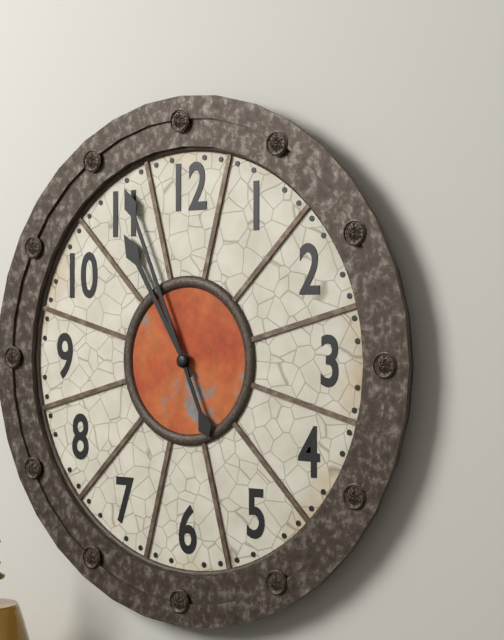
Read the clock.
10:56
